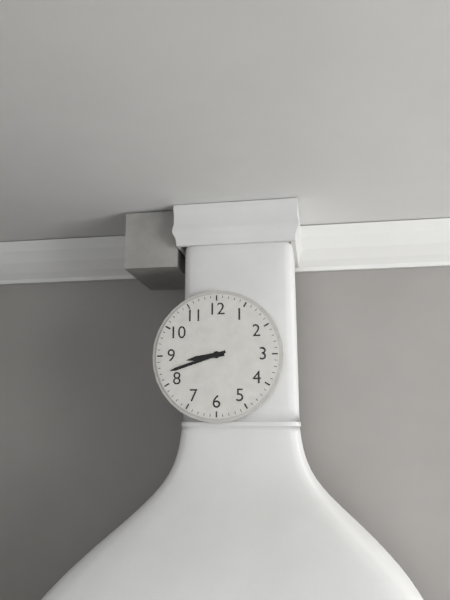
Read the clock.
8:42
